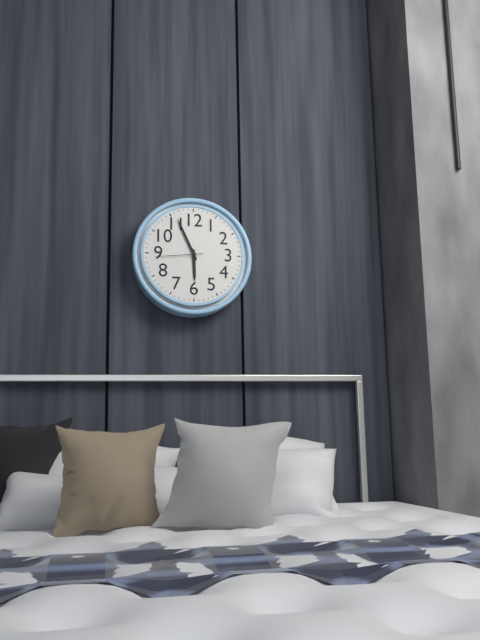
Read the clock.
5:56:44
